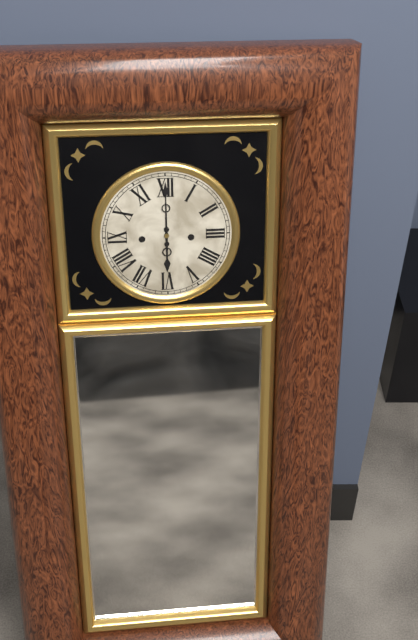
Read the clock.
6:00
